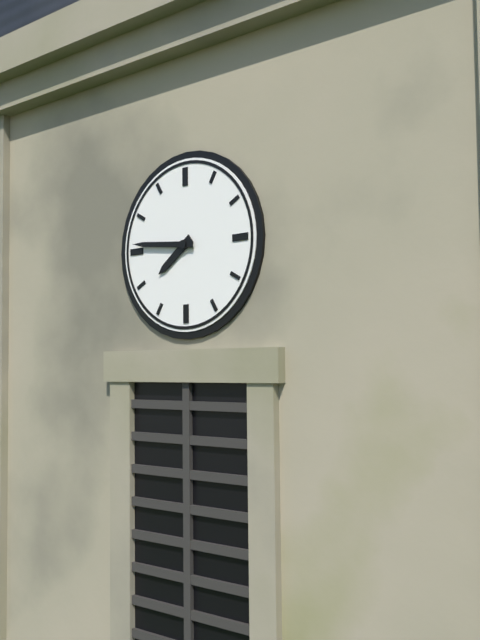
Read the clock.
7:46
